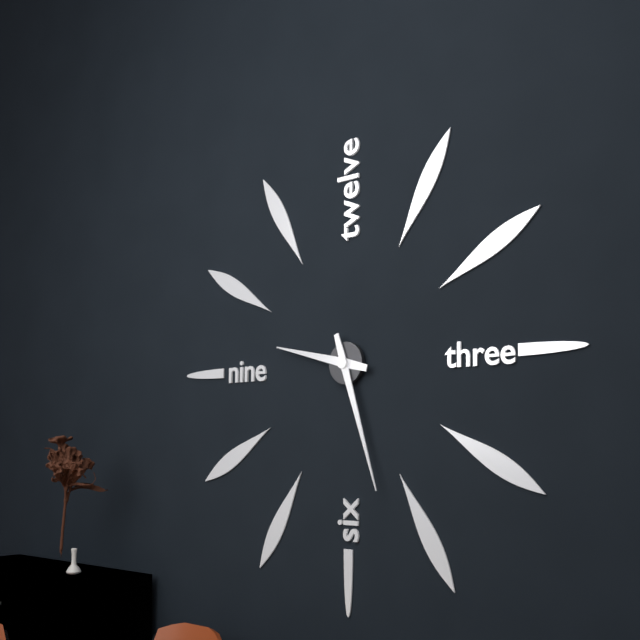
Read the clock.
9:27
